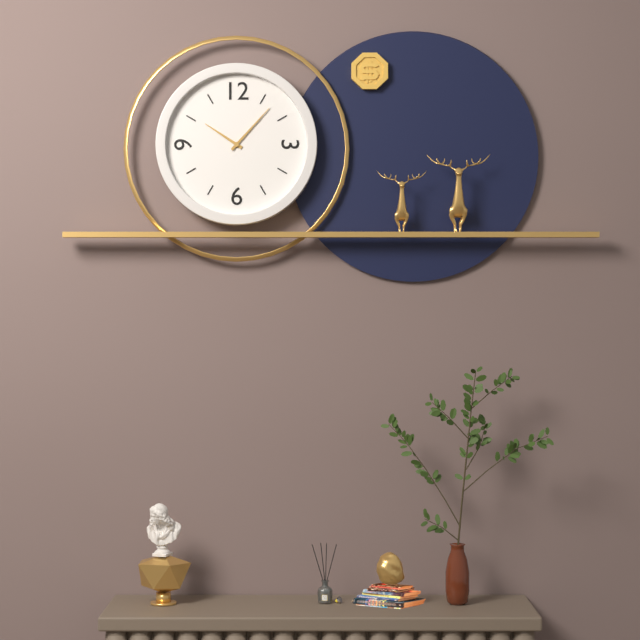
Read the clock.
10:07
